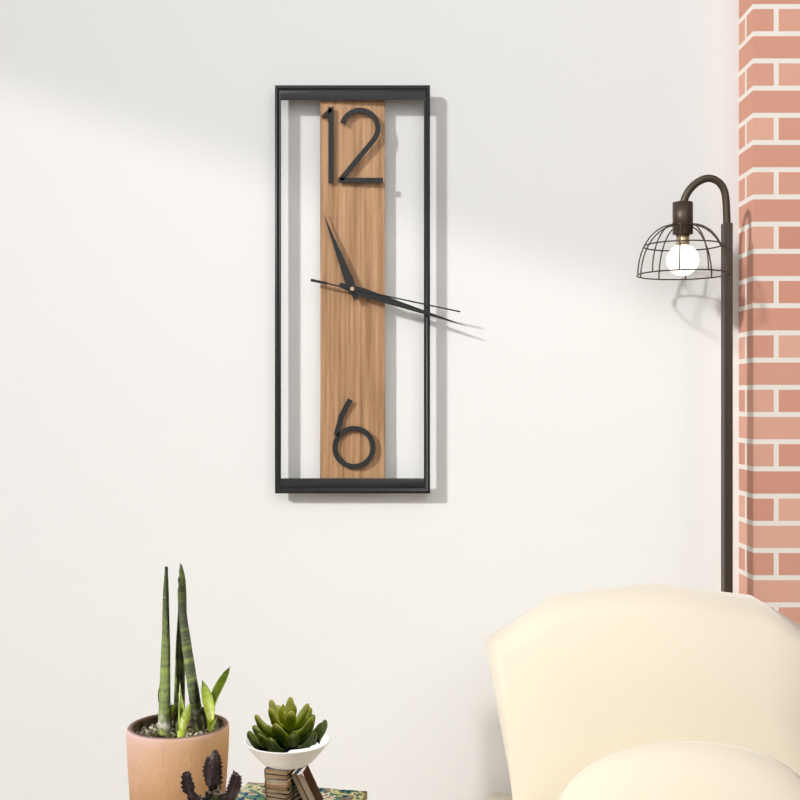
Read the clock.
11:18:17
